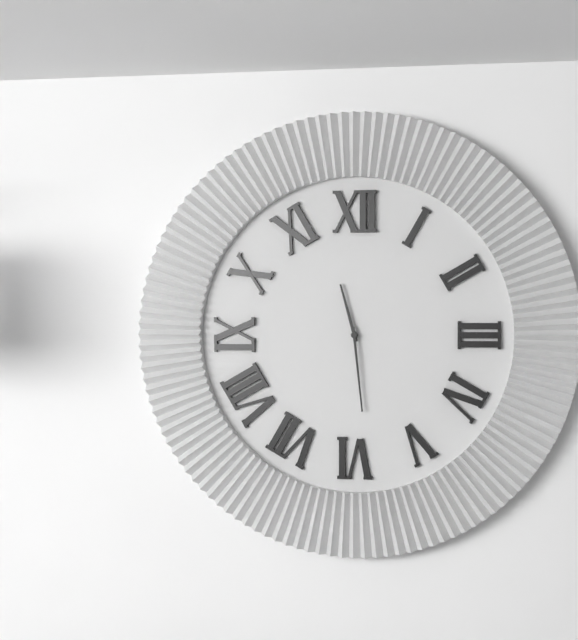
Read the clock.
11:29
